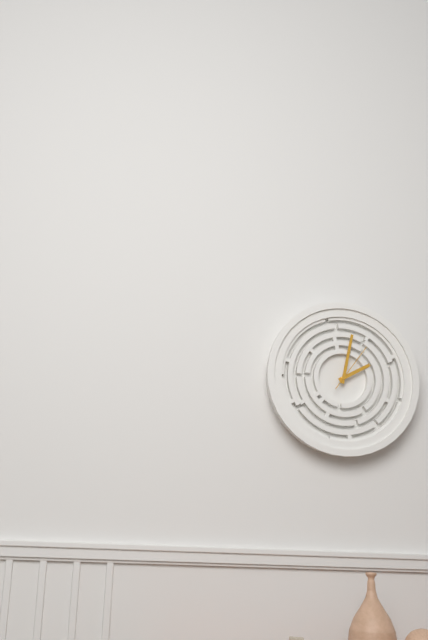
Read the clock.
2:02:06
